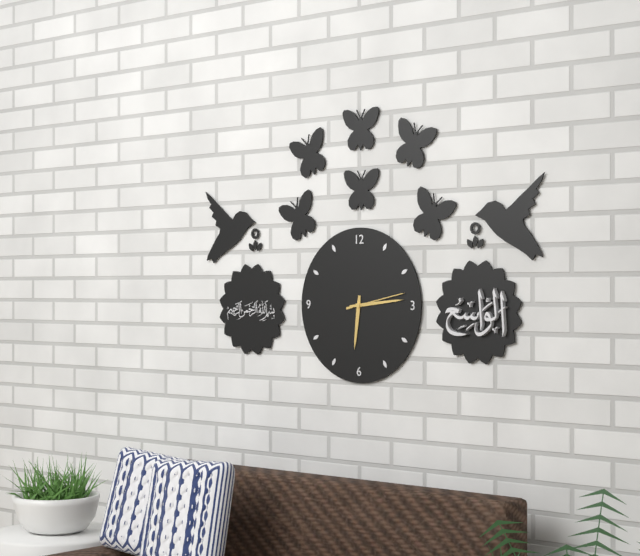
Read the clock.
6:14:13
